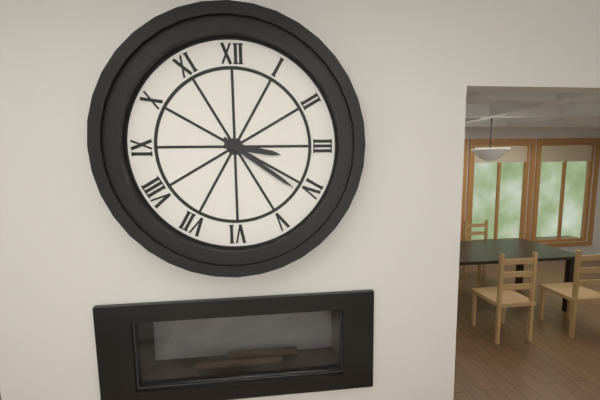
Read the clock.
3:21
